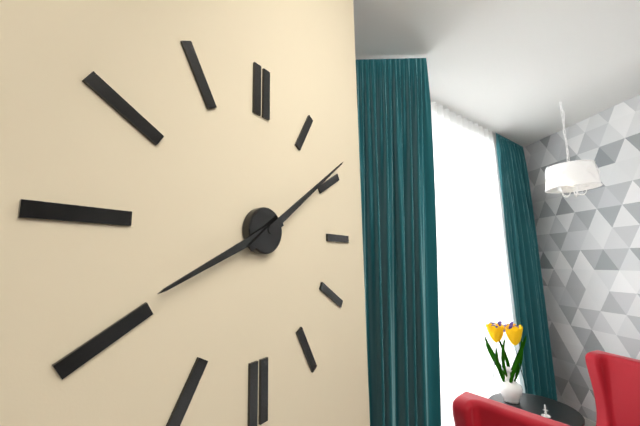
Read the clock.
8:09
